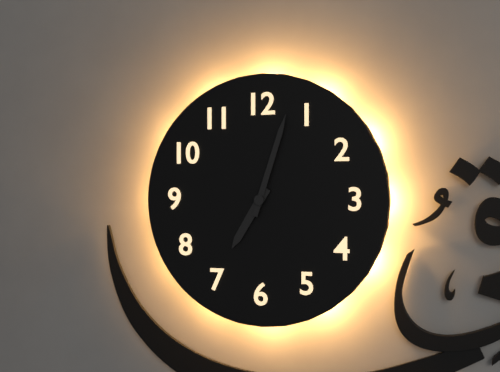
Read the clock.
7:03
